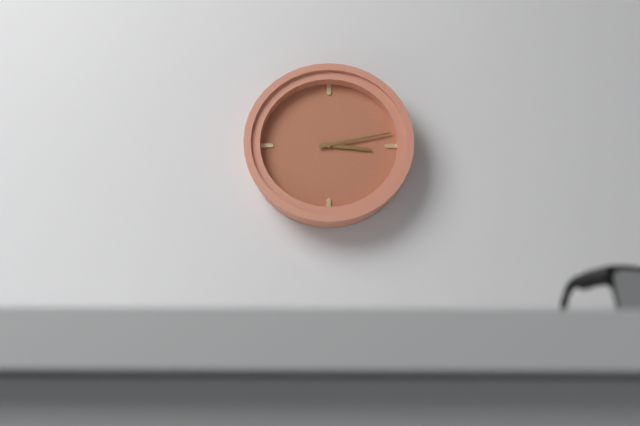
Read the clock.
3:13
